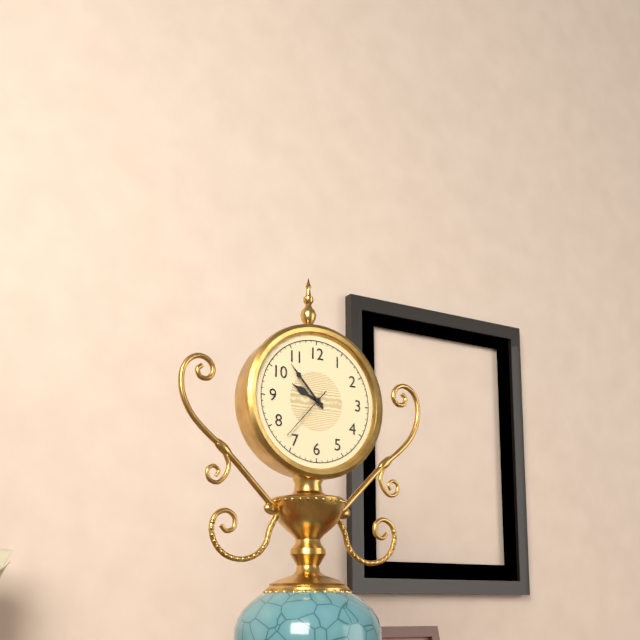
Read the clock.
9:53:37
